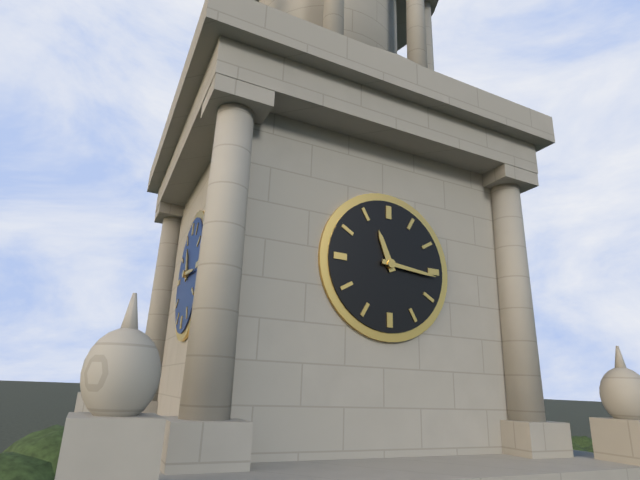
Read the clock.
11:16
